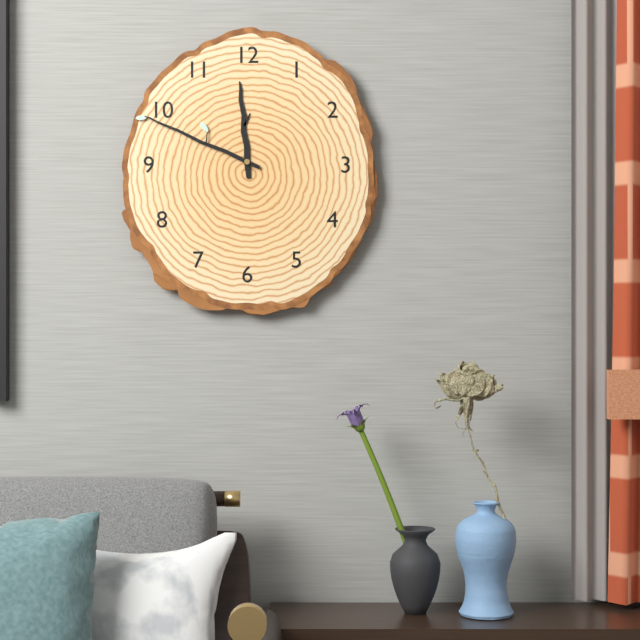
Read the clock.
11:49
